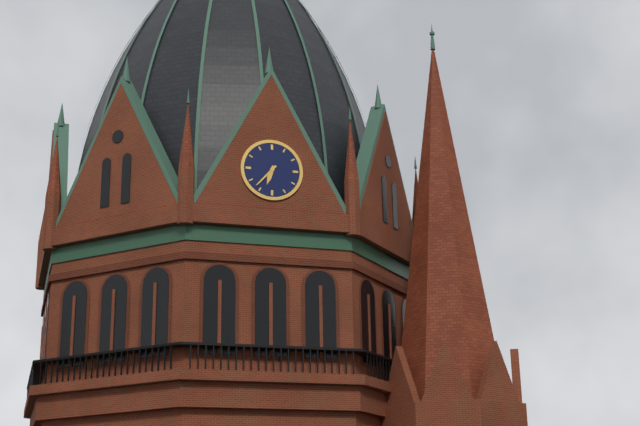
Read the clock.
6:37
